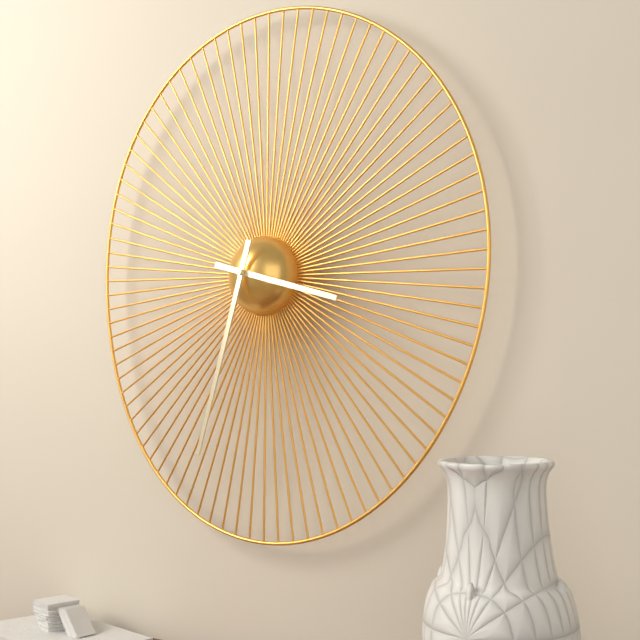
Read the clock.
3:33
